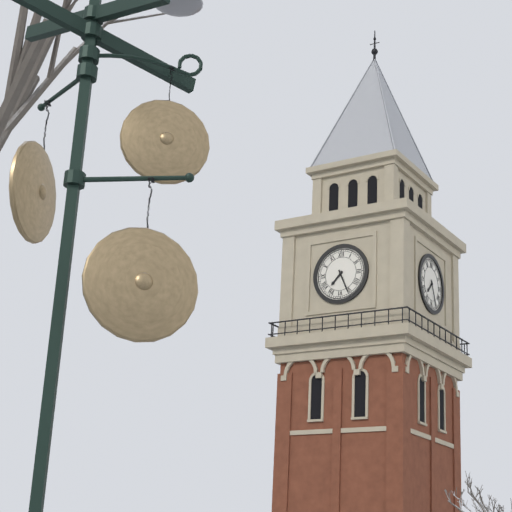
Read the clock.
7:26
